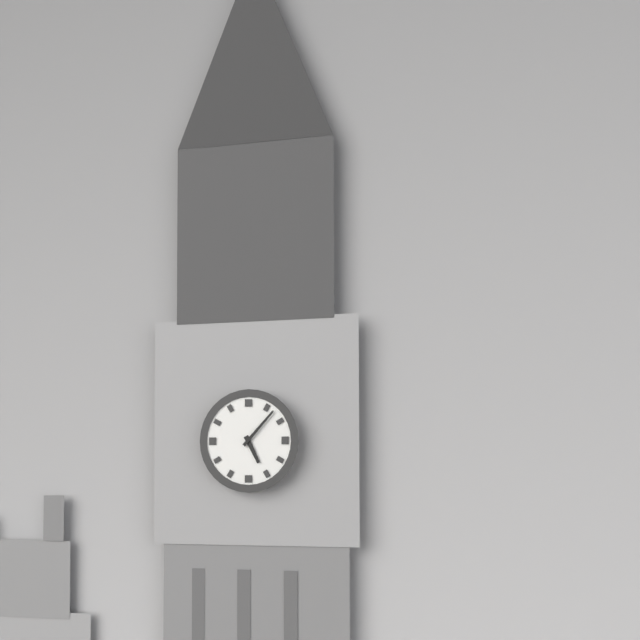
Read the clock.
5:07
